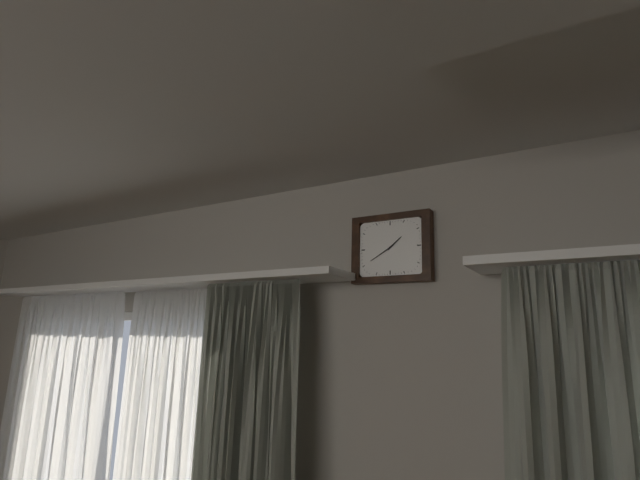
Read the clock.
1:40
